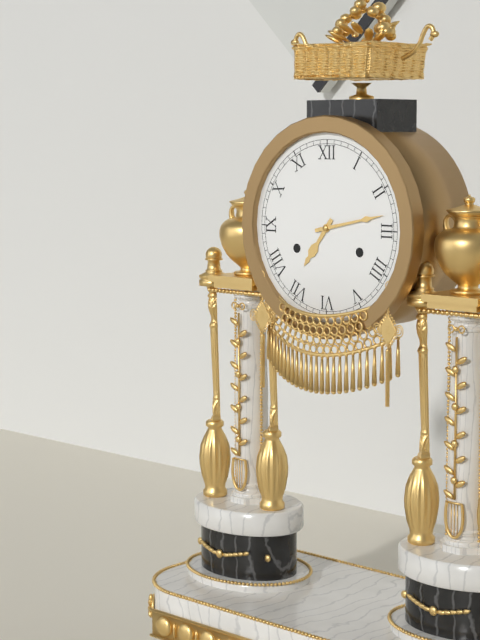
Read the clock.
7:13
